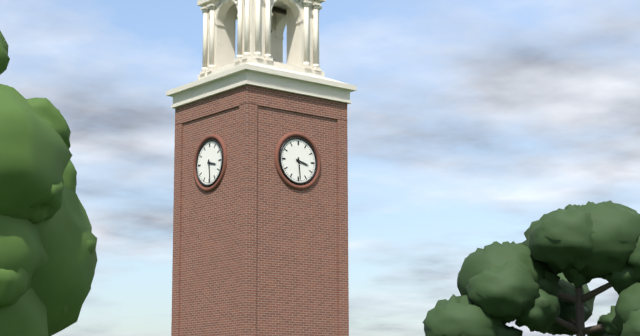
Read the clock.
3:29
